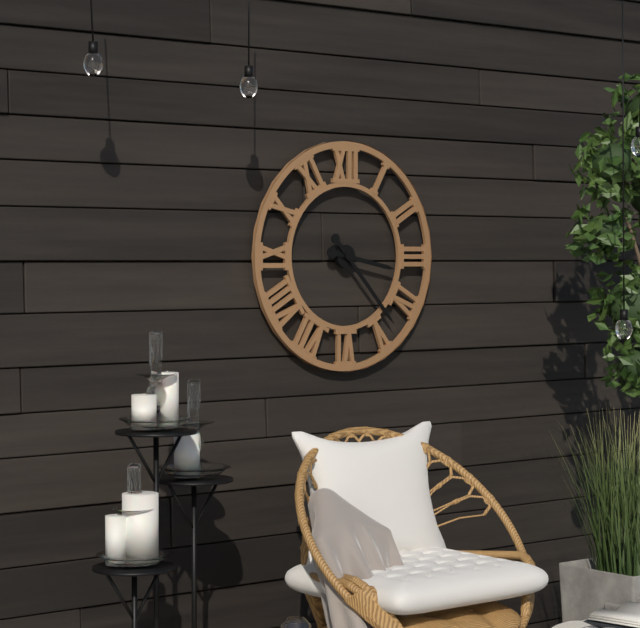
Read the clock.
3:23
